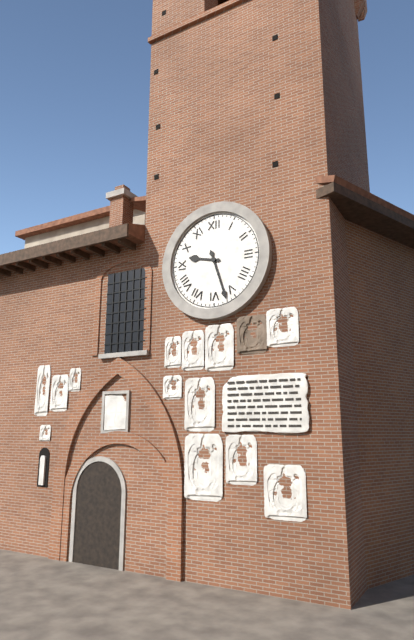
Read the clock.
9:27
